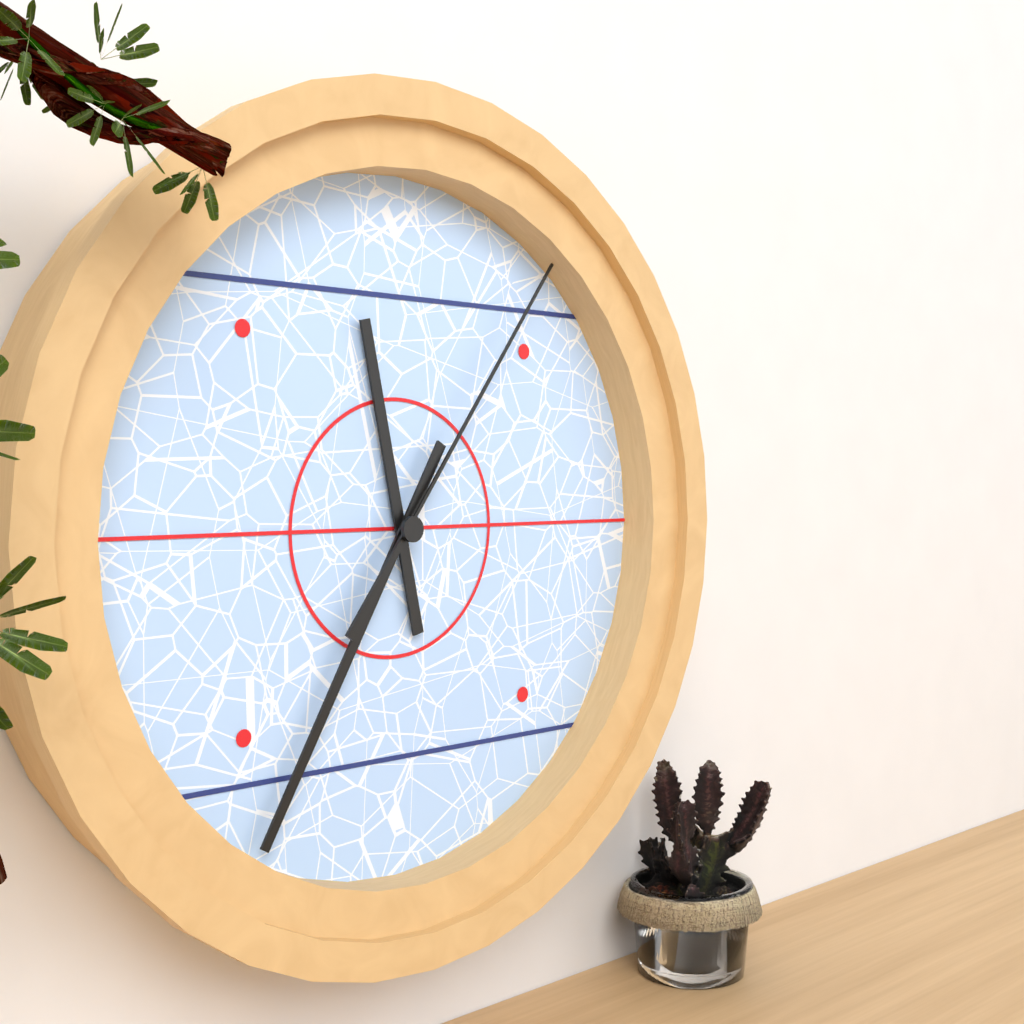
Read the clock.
11:35:06
